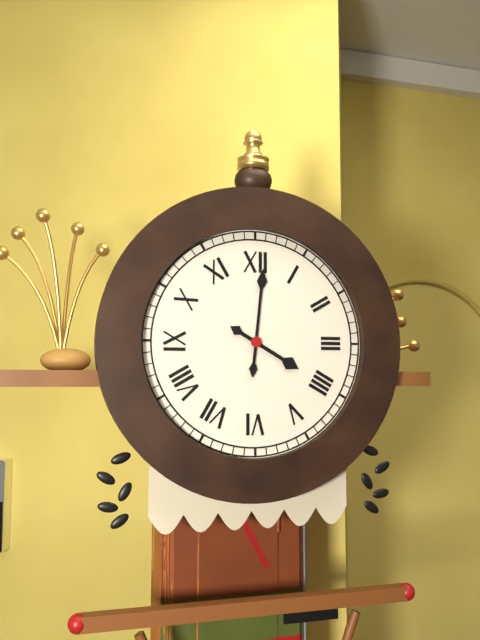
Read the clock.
4:01
